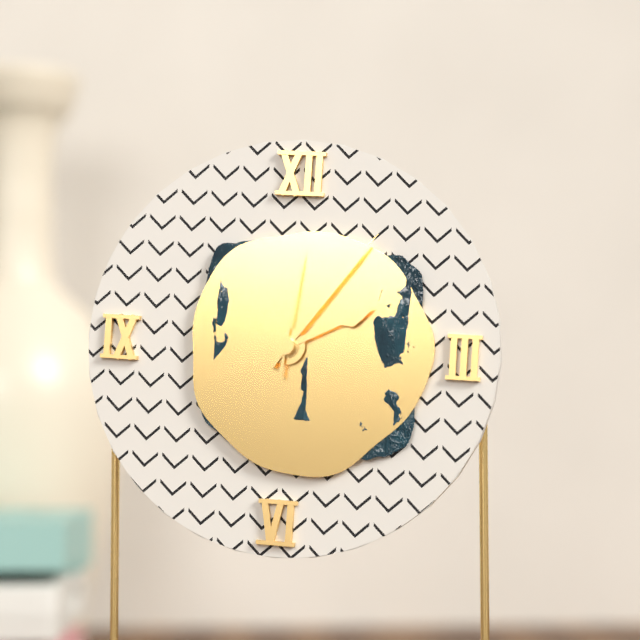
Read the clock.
2:06:01
